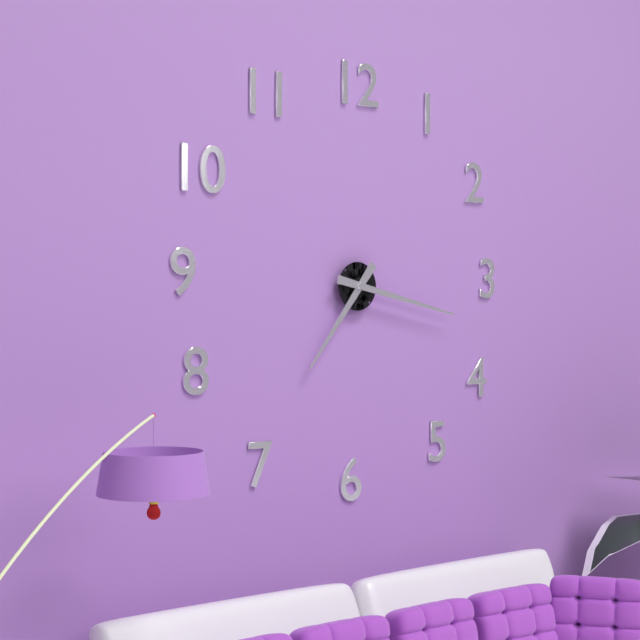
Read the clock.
7:17
